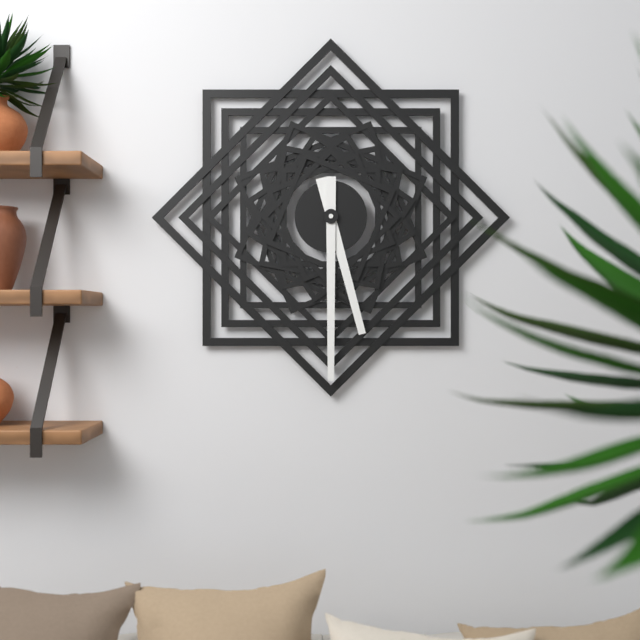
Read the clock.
5:30
